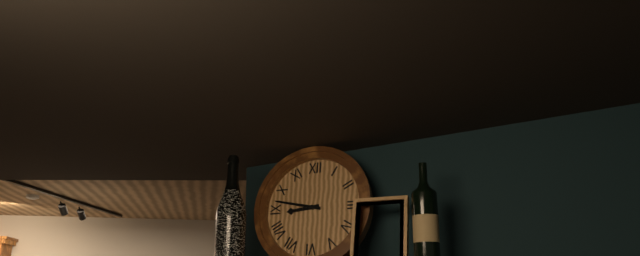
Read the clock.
8:47
